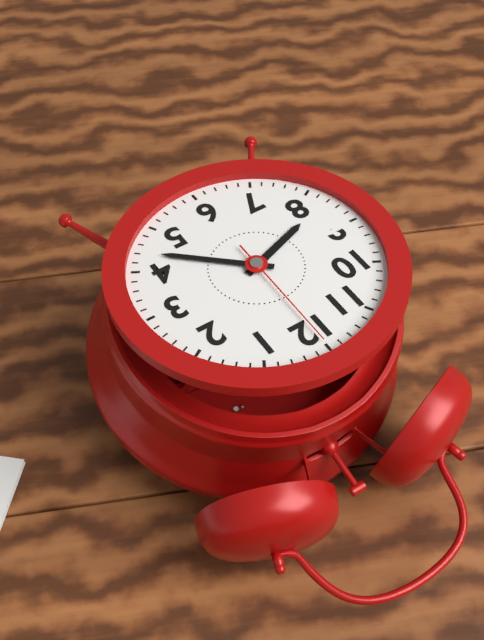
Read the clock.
8:22:00
